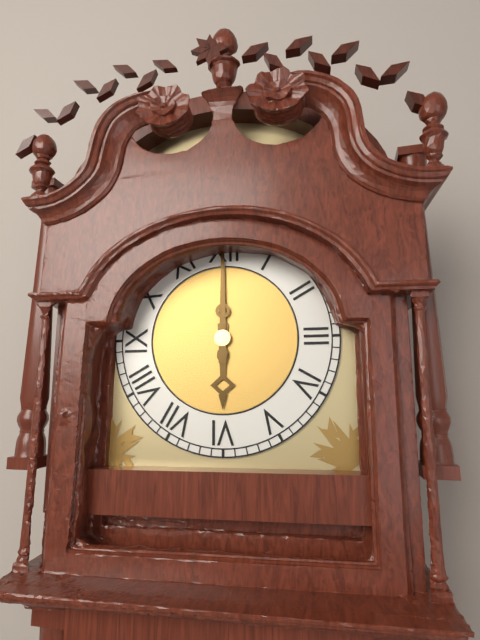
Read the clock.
6:00
